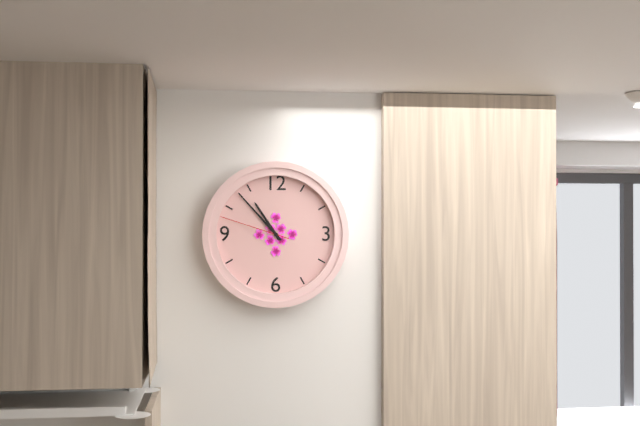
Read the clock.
10:53:48
